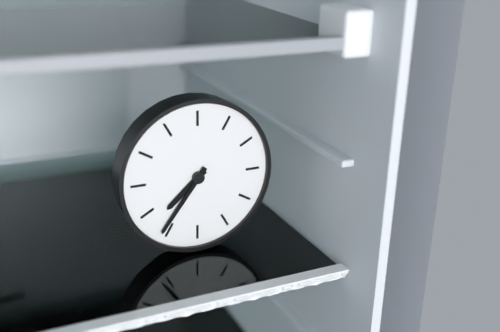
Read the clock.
7:36
